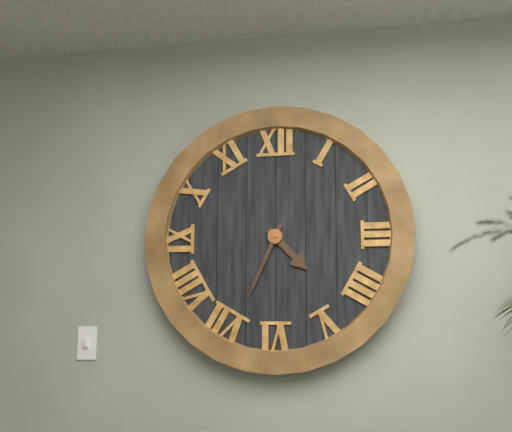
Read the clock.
4:34
